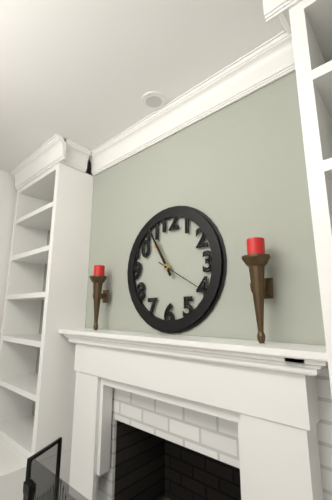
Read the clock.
10:55:20
